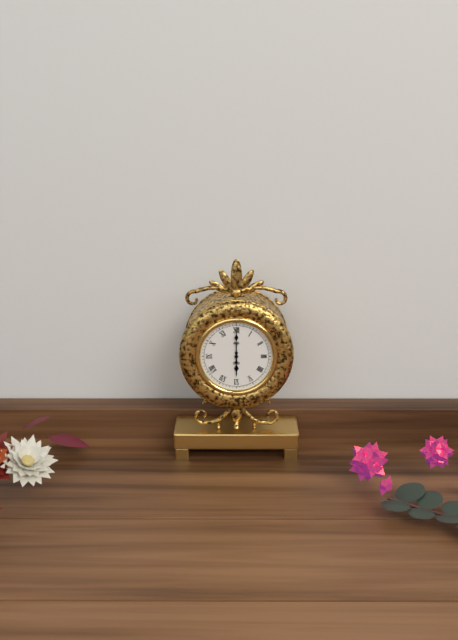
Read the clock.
6:00
